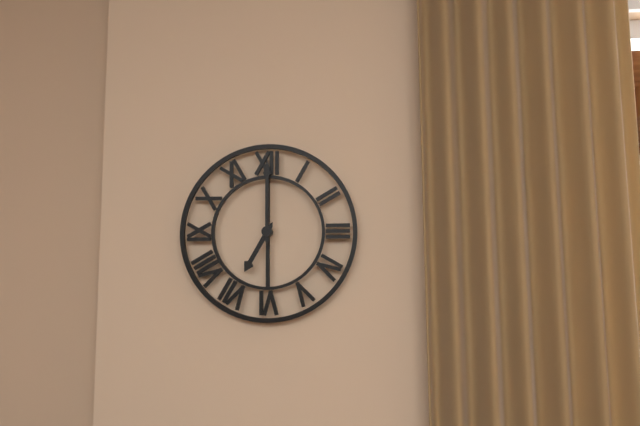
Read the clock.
7:00
